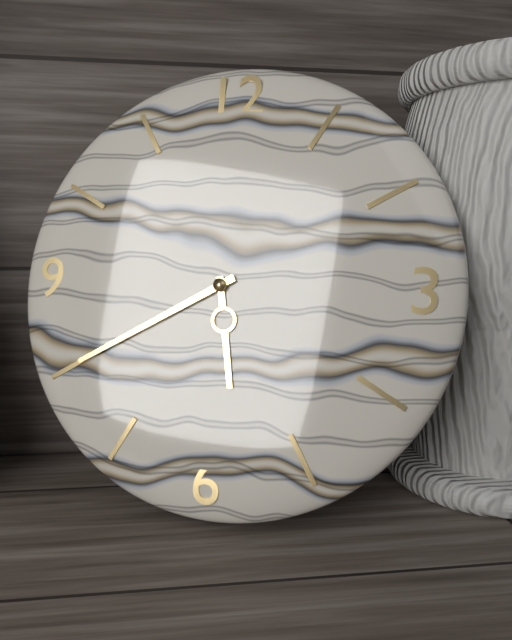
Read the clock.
5:40
